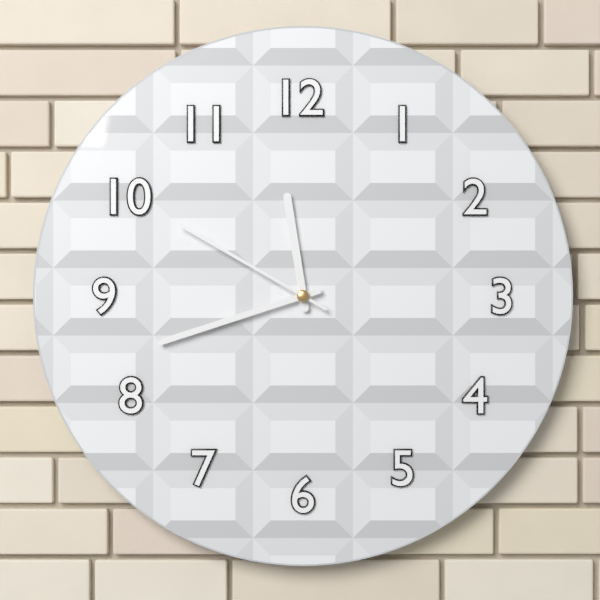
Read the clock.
11:42:50
